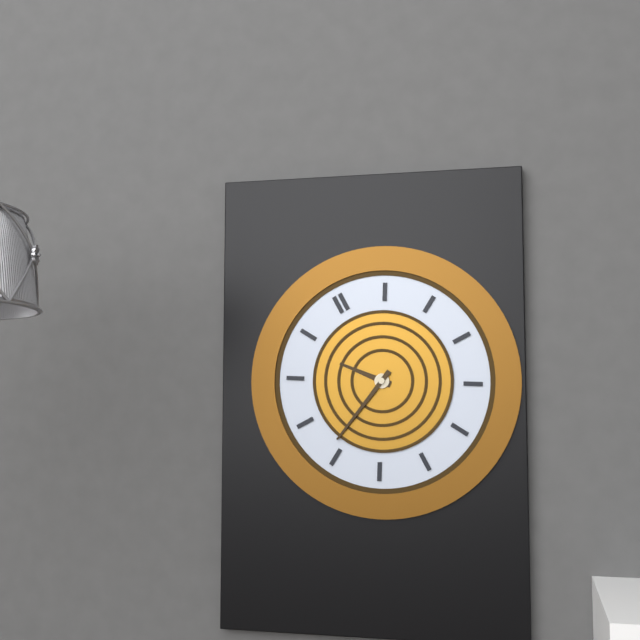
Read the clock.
10:41
